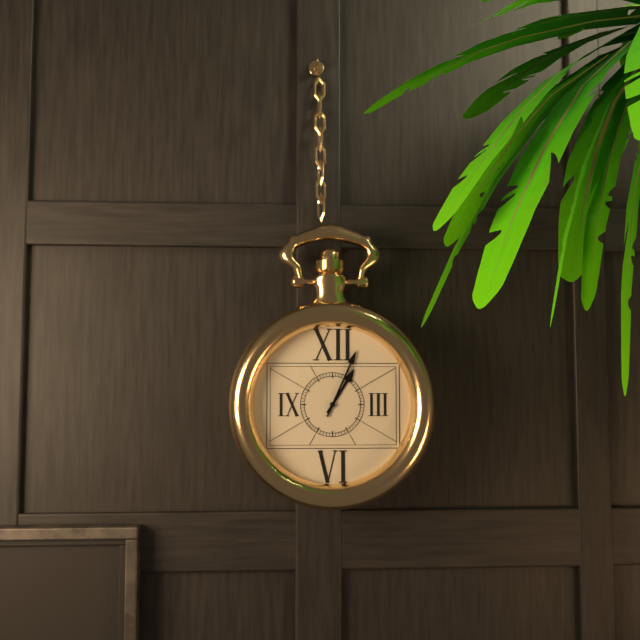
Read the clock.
1:04
